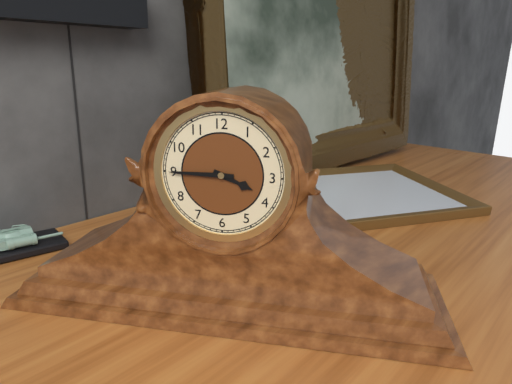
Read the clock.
3:45
